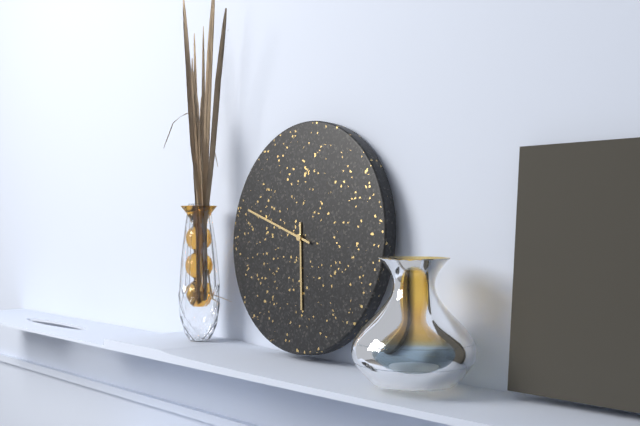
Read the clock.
5:48
